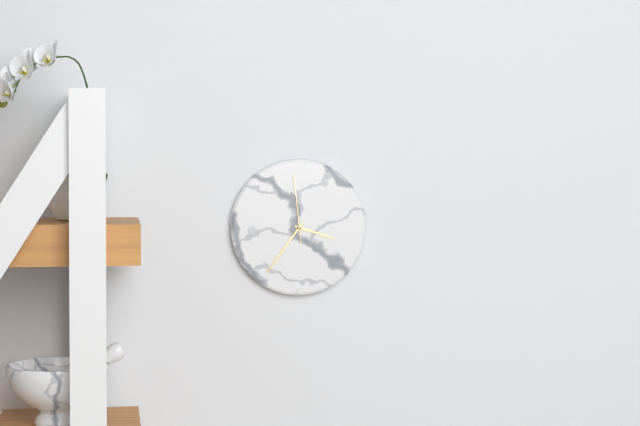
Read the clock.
3:36:59
